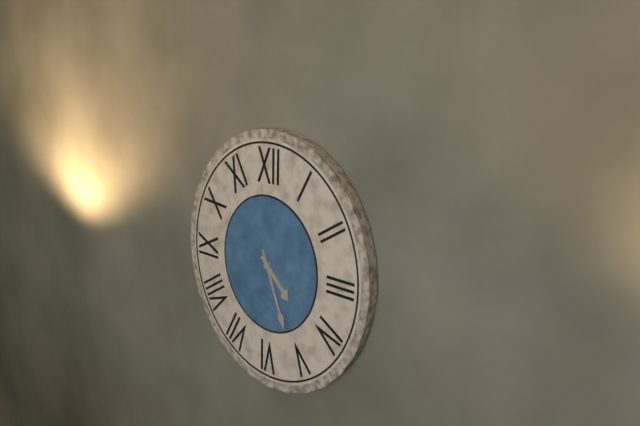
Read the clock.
4:26
